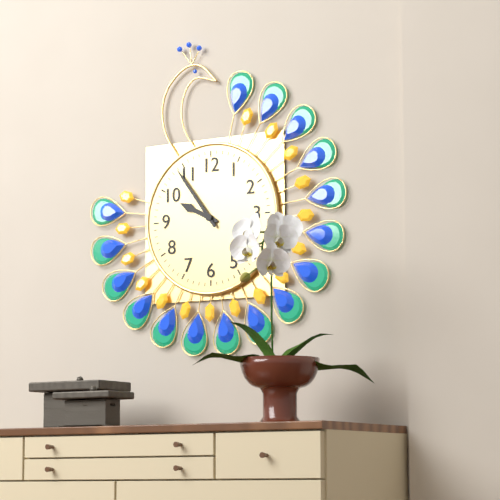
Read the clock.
9:54
